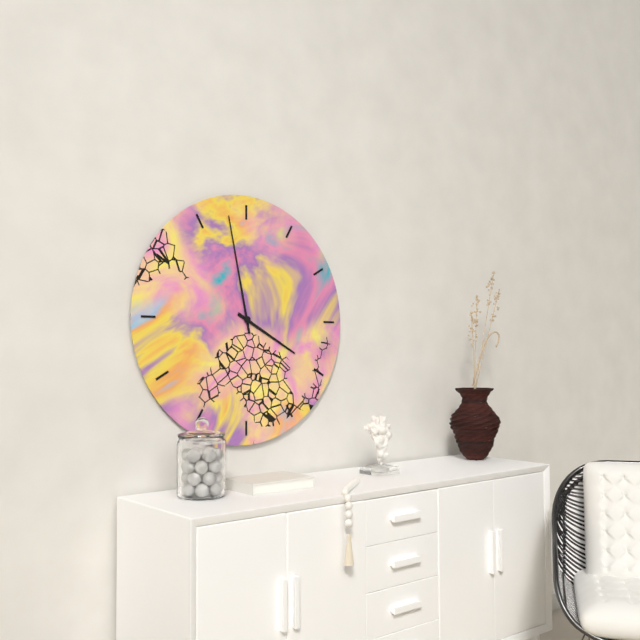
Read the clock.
3:58
